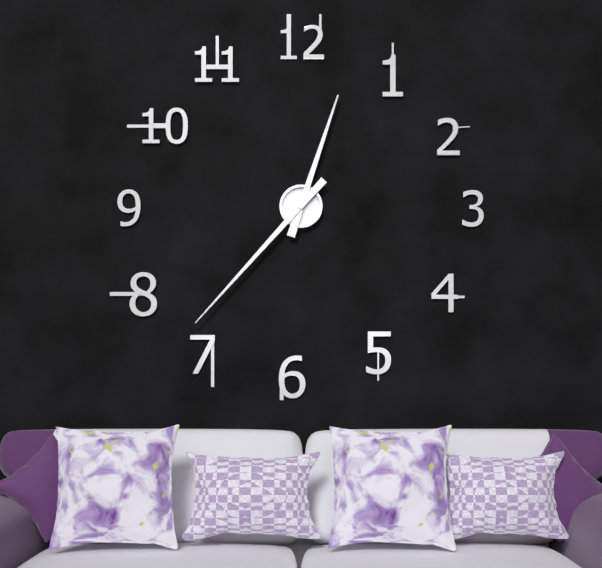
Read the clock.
12:37
